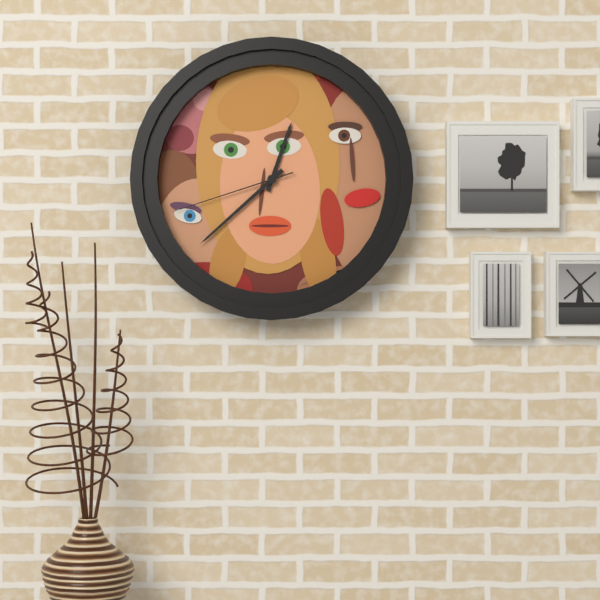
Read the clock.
12:38:42
